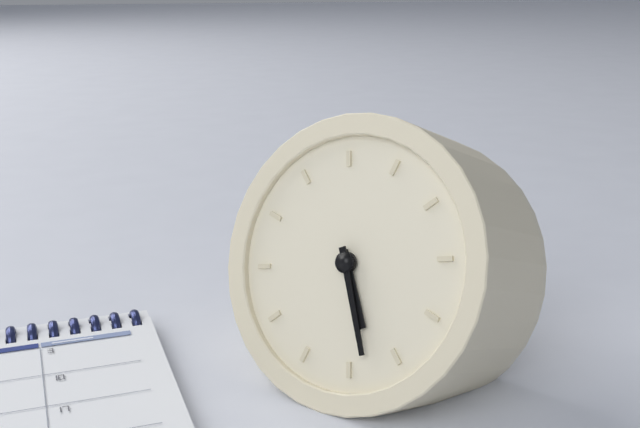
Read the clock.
5:28
